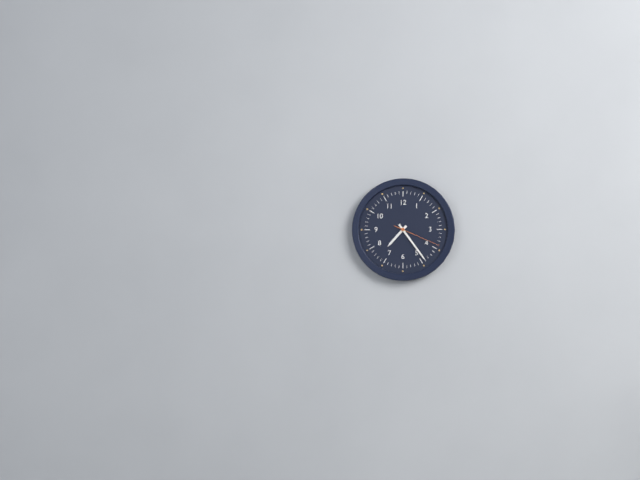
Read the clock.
7:24
